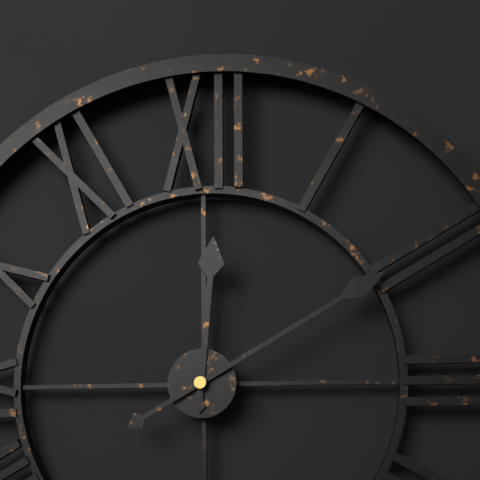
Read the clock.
12:10
